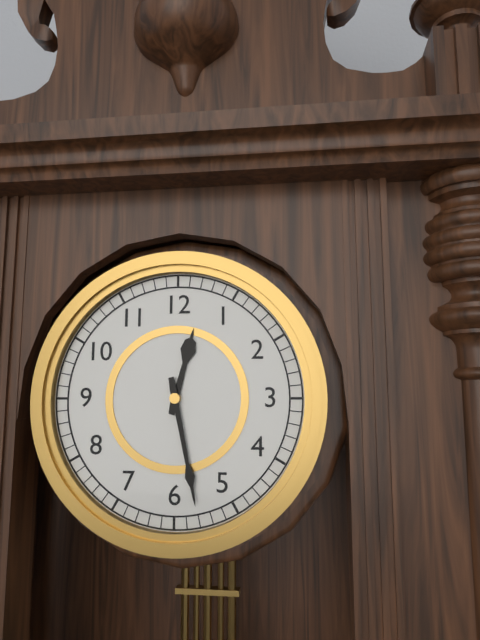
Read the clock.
12:28
